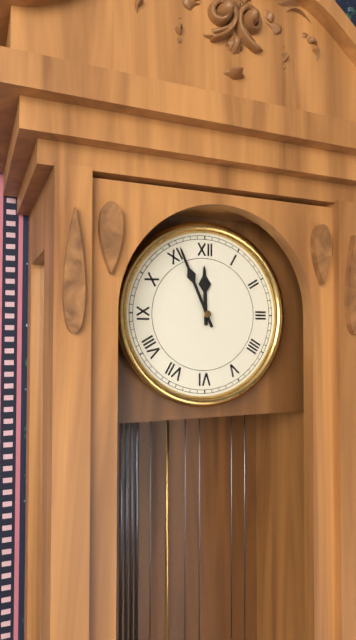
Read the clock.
11:56
